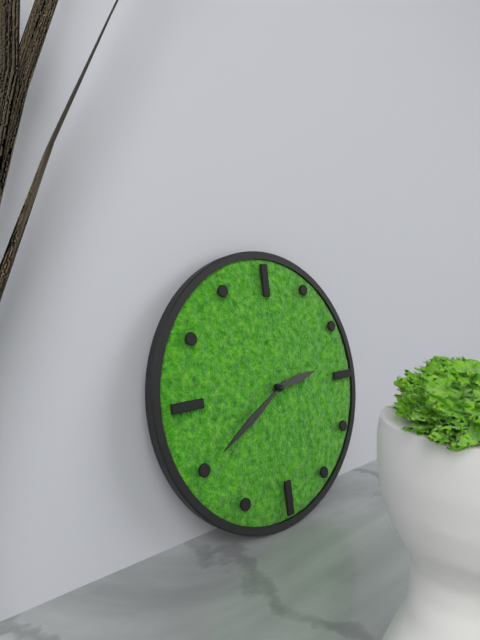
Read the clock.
2:40
